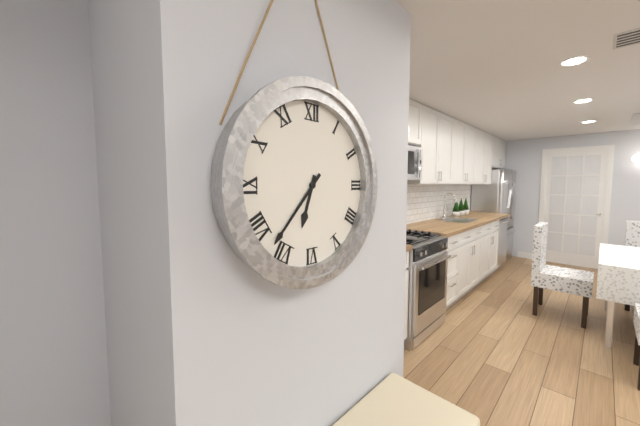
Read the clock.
6:37
